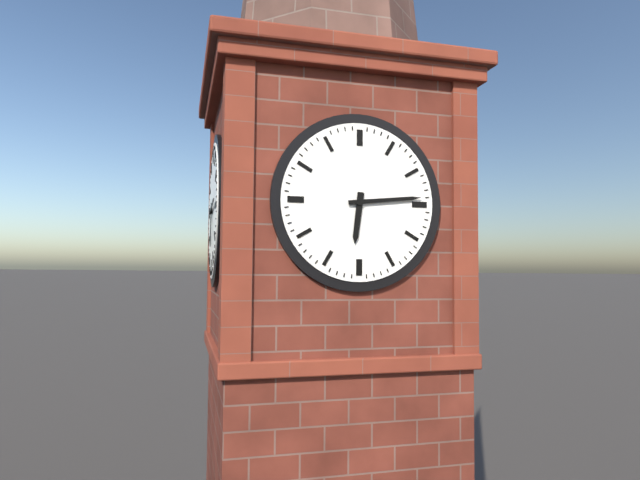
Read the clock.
6:14
